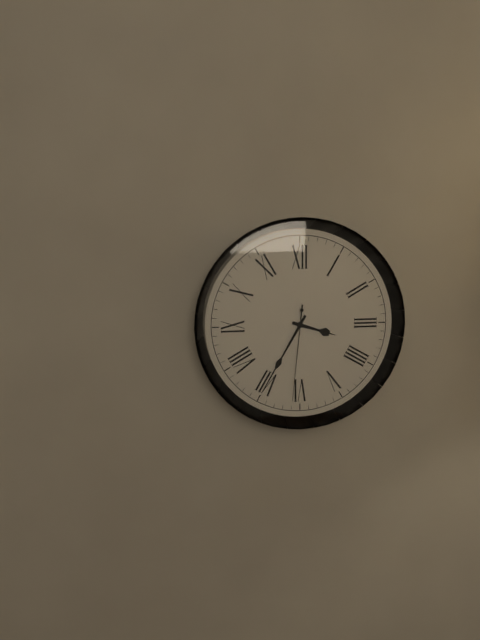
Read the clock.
3:35:31
